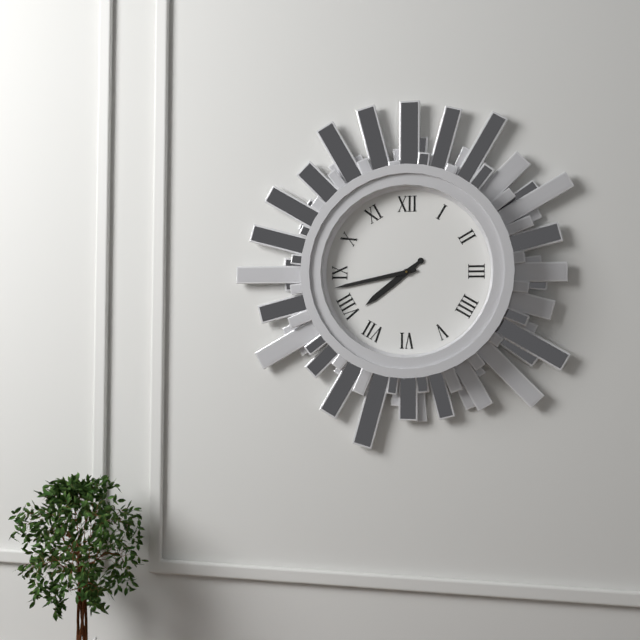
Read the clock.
7:43
